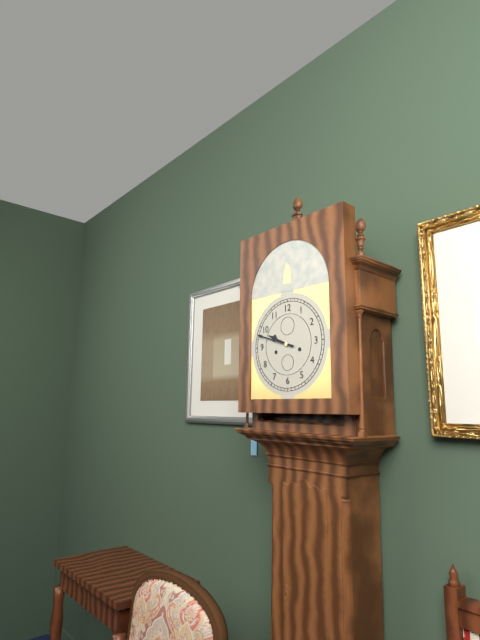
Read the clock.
9:48
